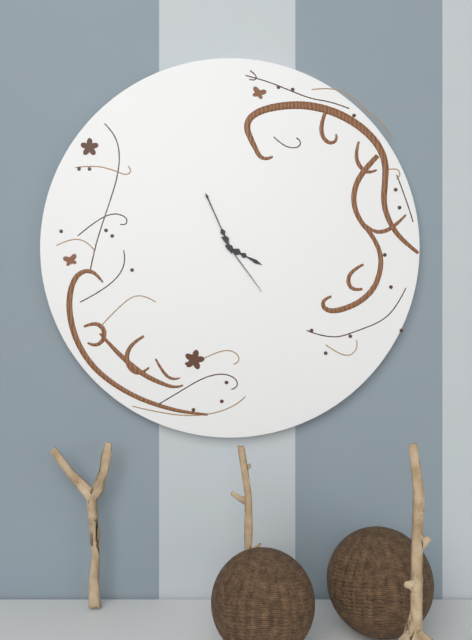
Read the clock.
3:56:24
